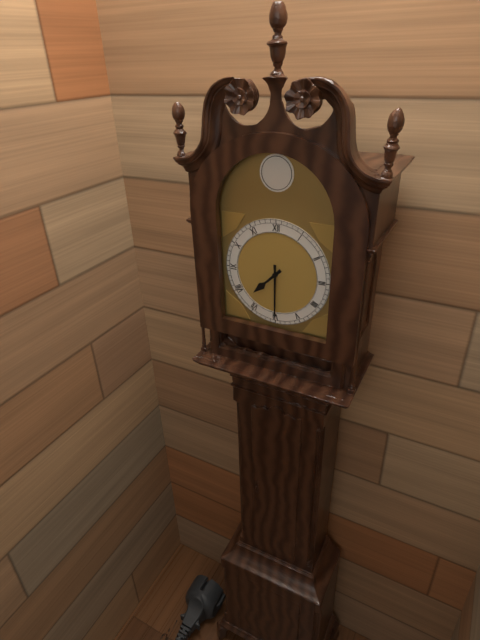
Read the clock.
7:30
